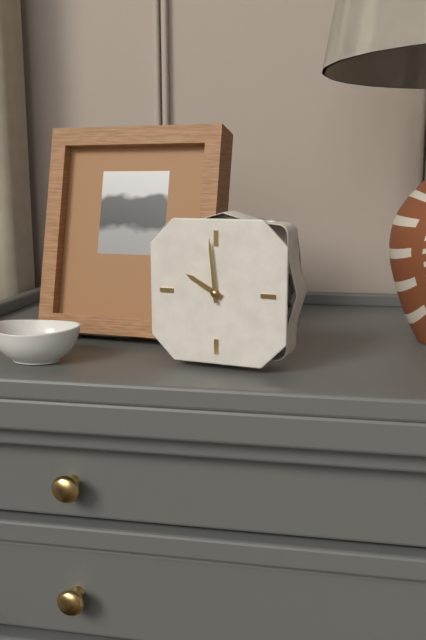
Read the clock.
9:59
